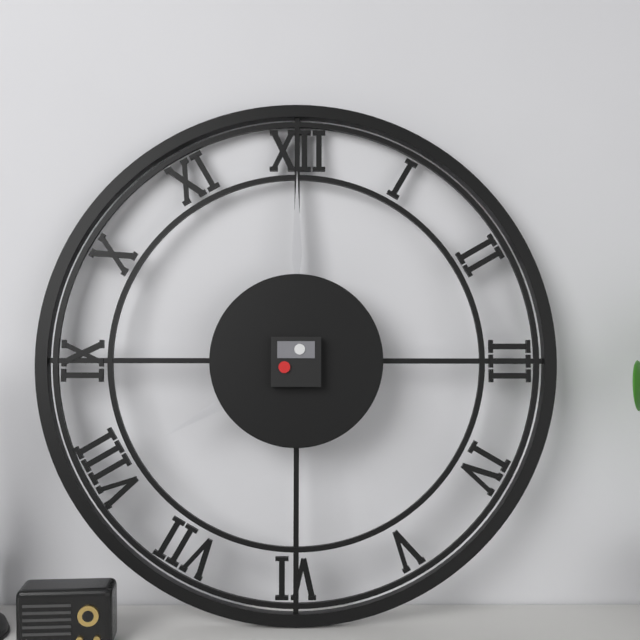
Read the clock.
8:00
